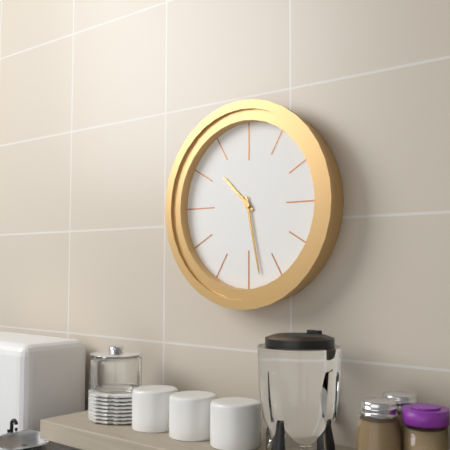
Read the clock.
10:28
